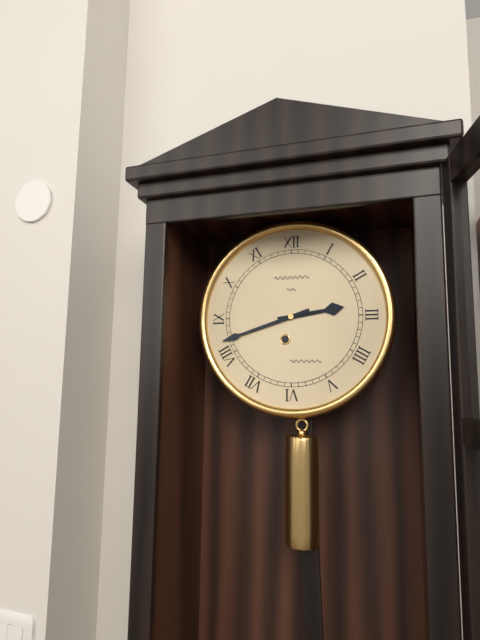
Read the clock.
2:42
